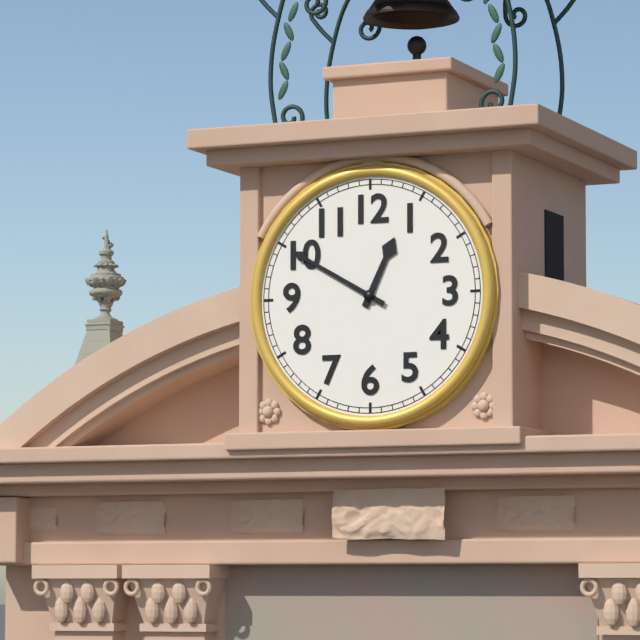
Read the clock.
12:50
